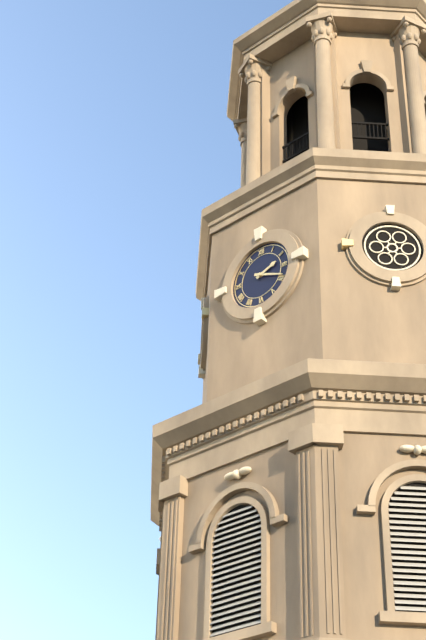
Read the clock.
2:19
